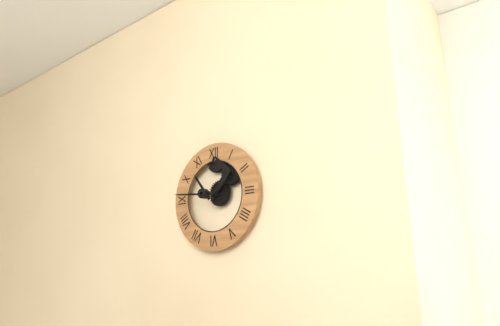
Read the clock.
10:46
